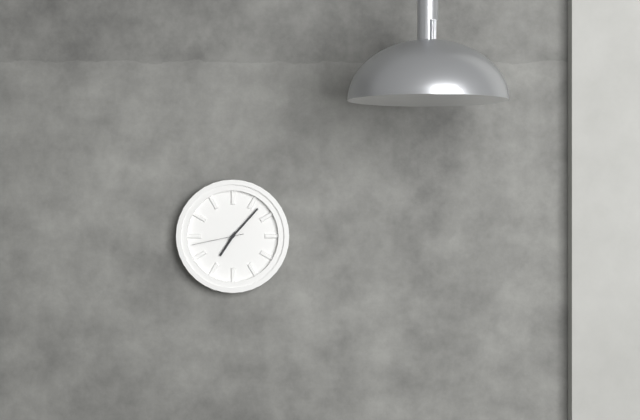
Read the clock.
7:07:43
